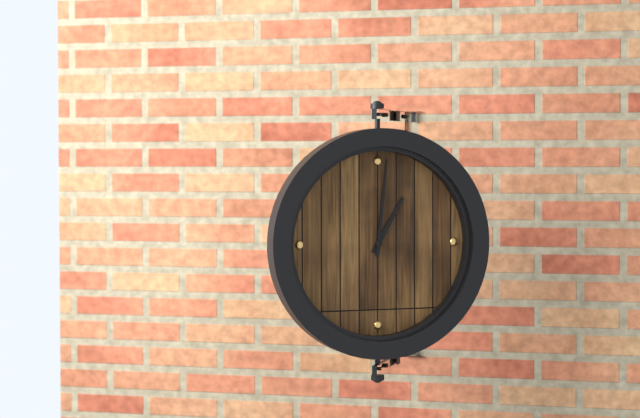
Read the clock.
1:01
